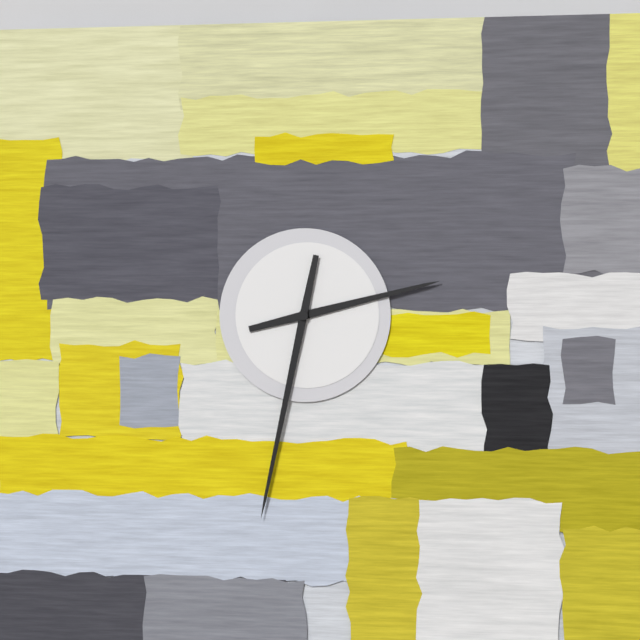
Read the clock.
2:32
